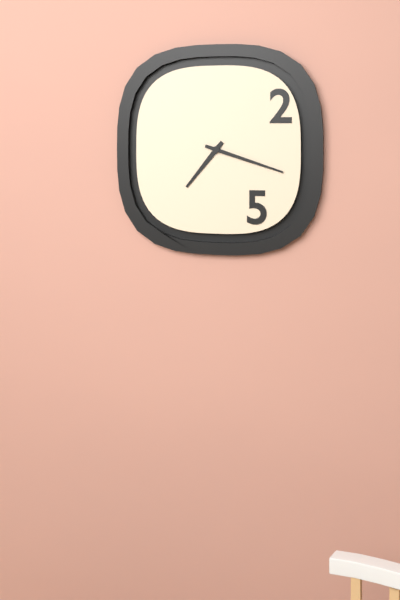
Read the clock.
7:18
